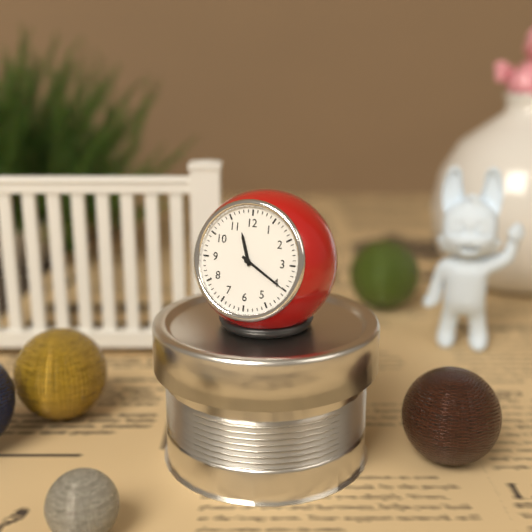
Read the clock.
11:20
